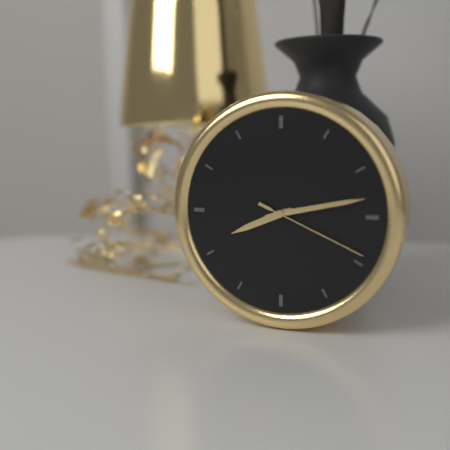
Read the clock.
8:13:19
